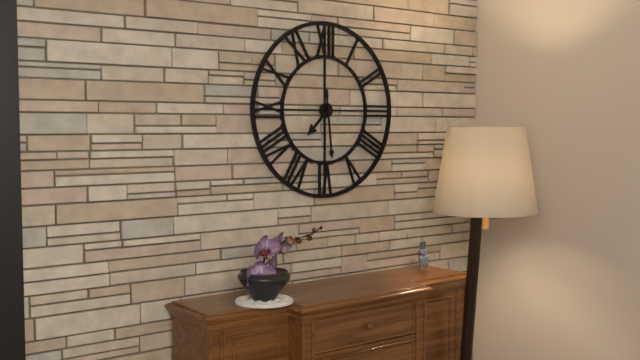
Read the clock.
7:29
